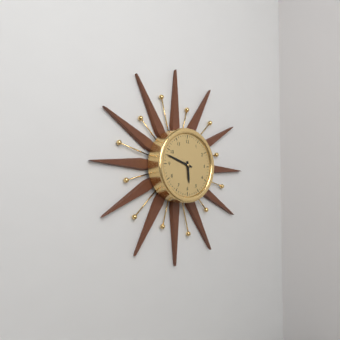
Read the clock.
5:48
